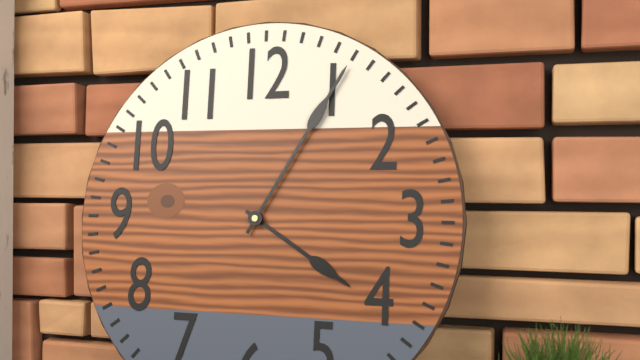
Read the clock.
4:05
